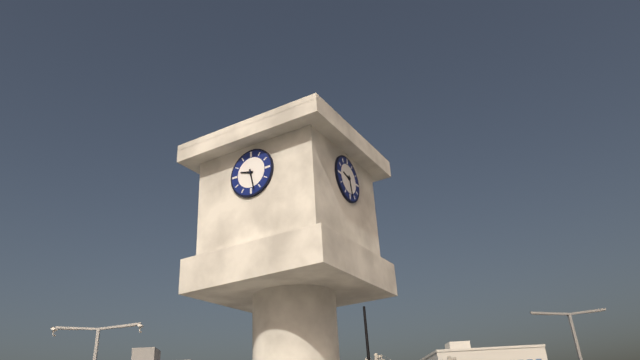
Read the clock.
9:28
